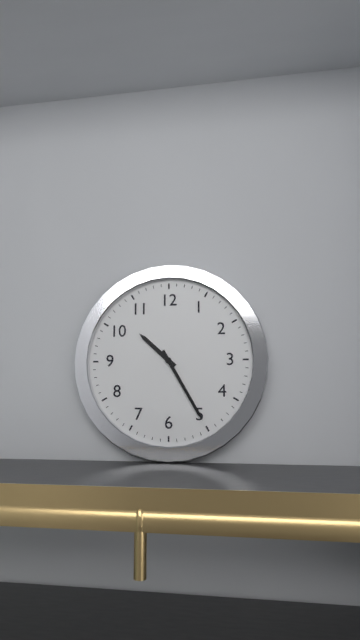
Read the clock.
10:25
